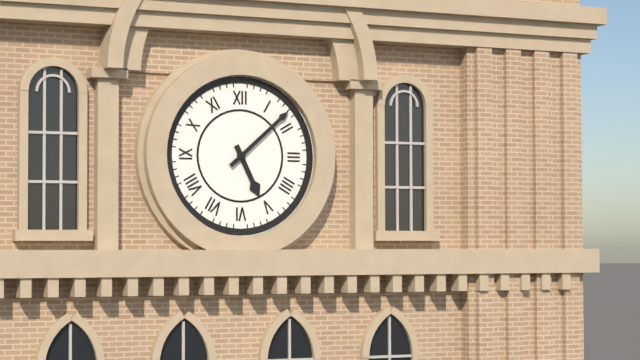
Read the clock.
5:08
